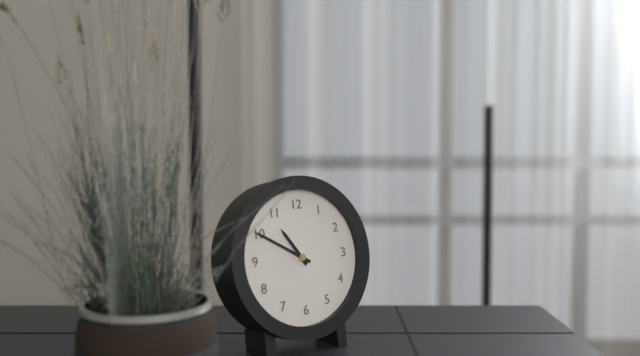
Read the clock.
10:50
